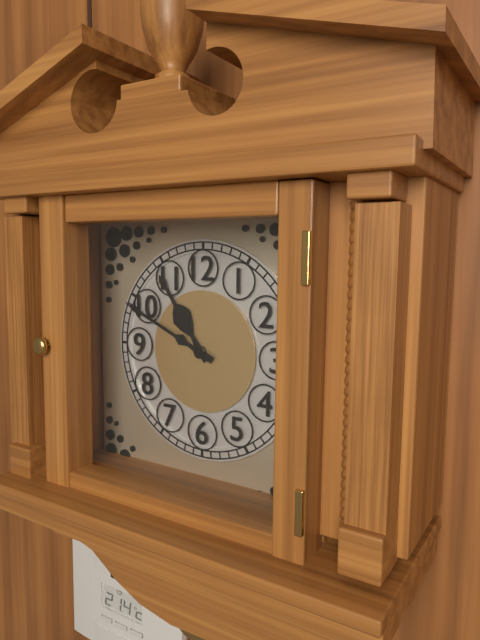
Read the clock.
10:49
